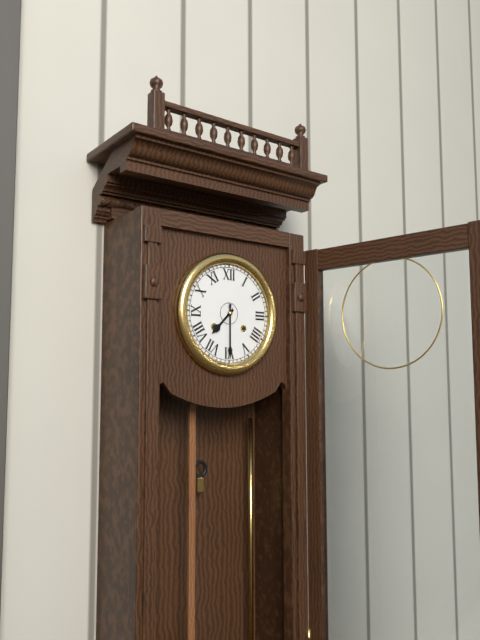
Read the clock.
7:30
